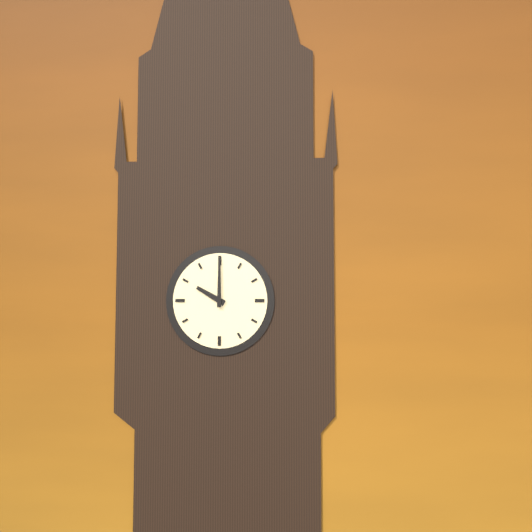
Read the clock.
10:00
